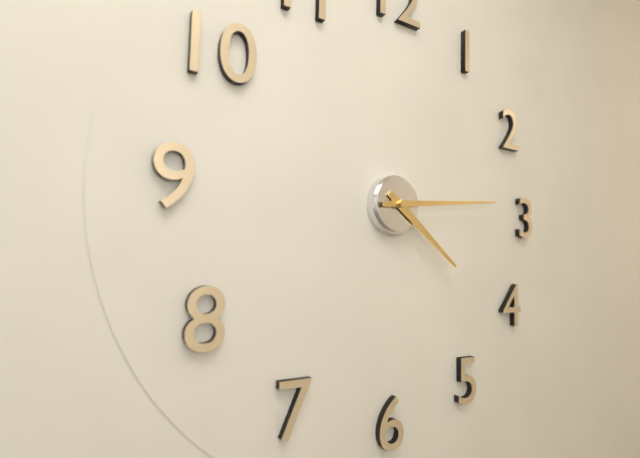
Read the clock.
4:14
